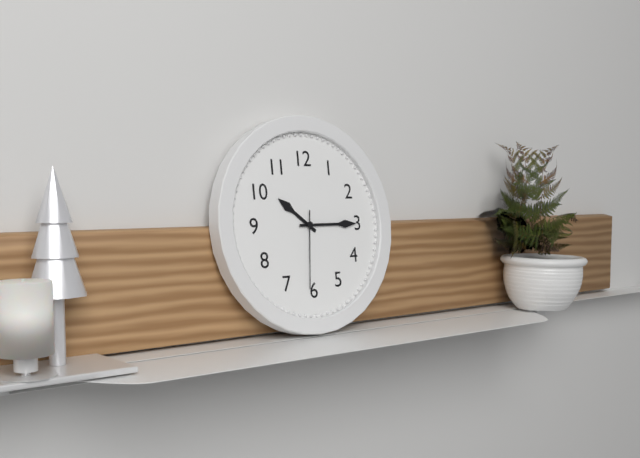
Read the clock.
10:15:31
